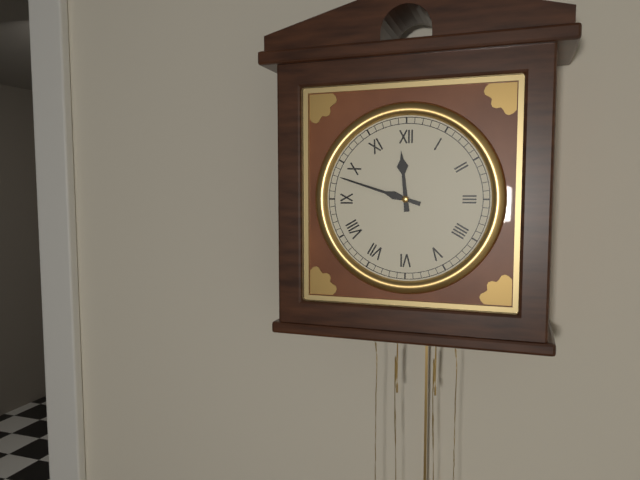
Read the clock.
11:48
